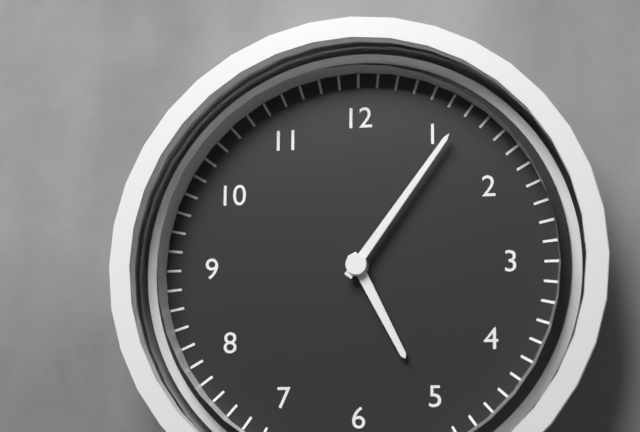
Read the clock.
5:06
